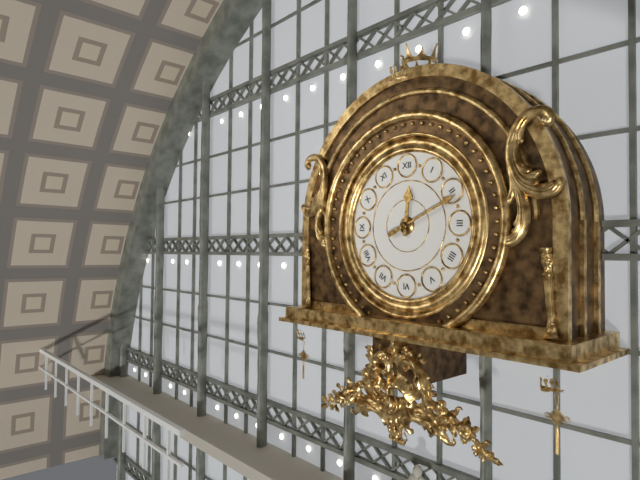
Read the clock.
12:11
